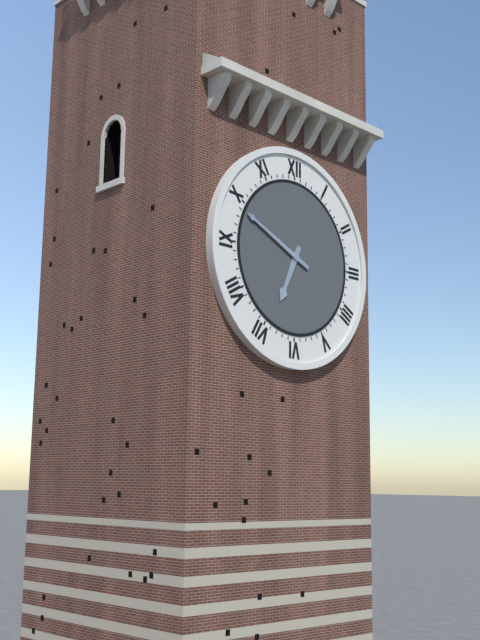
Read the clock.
6:49
